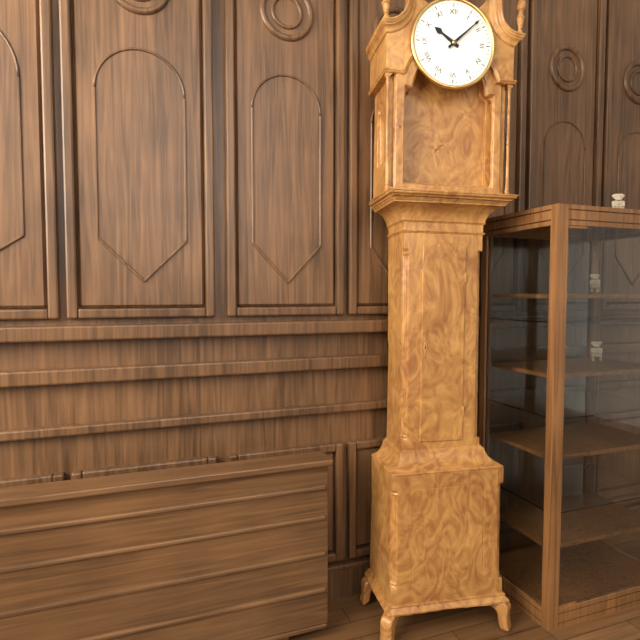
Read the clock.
10:08
